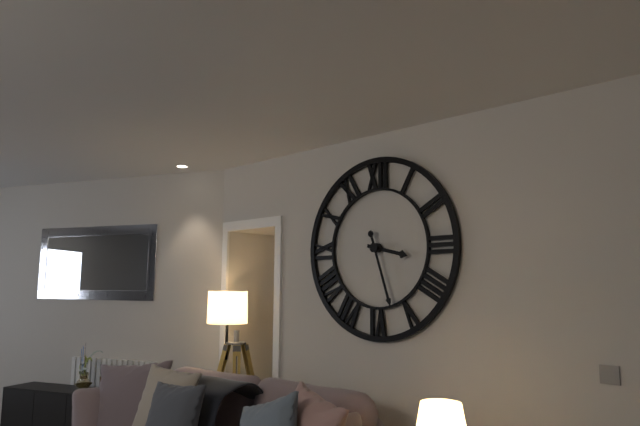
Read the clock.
3:27
